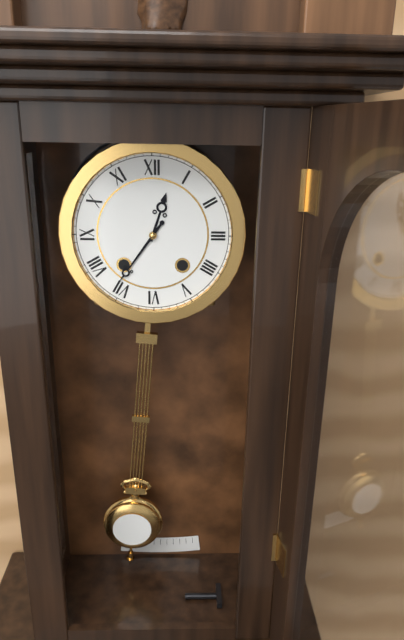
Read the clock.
12:36
